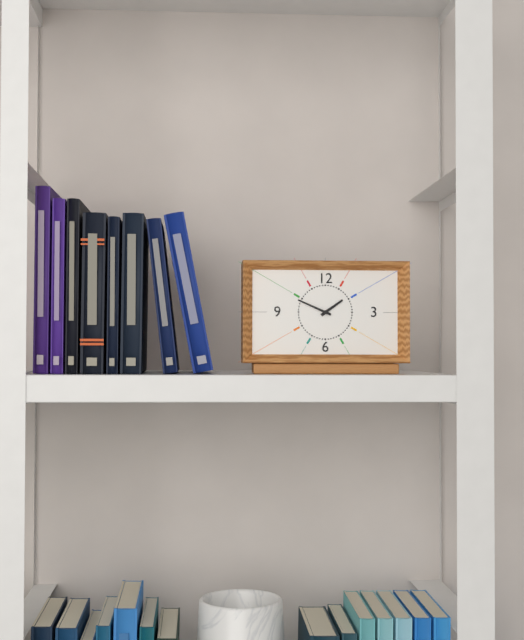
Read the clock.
1:49
